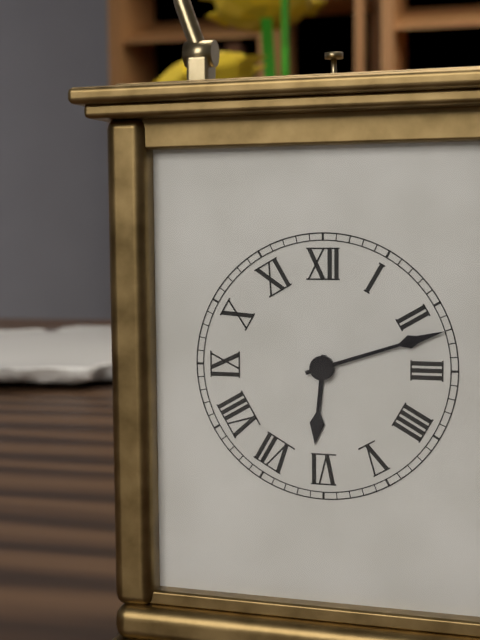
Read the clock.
6:12
